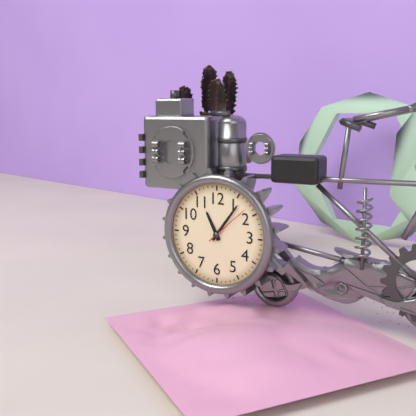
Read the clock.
11:06
